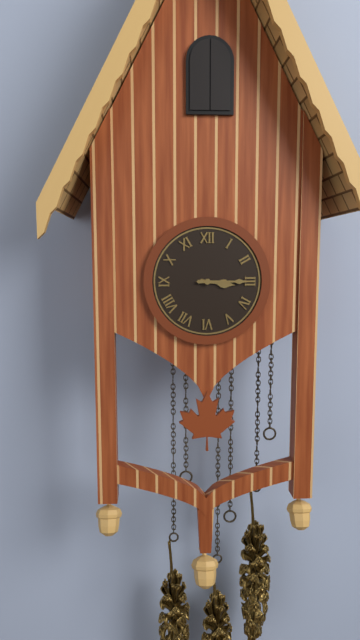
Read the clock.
3:15
